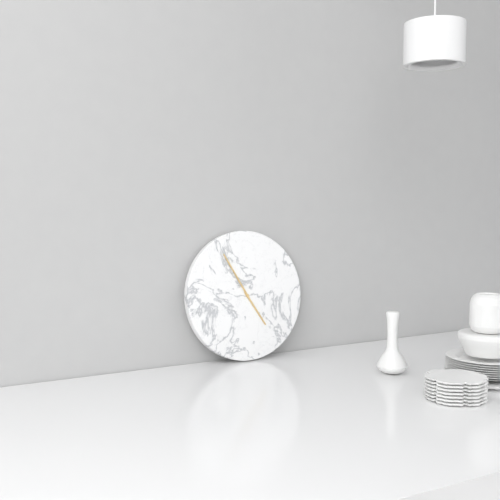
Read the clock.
4:55
